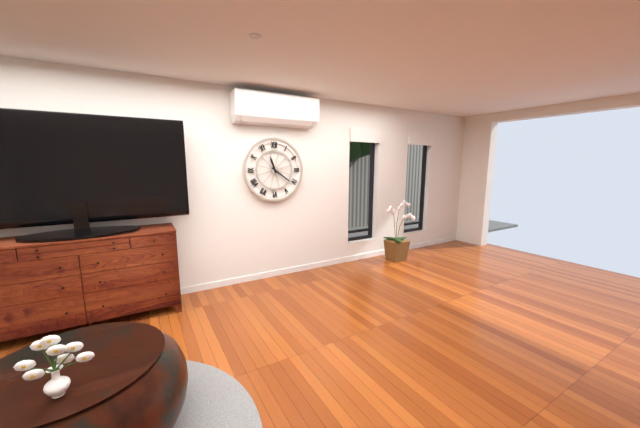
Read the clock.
11:21
